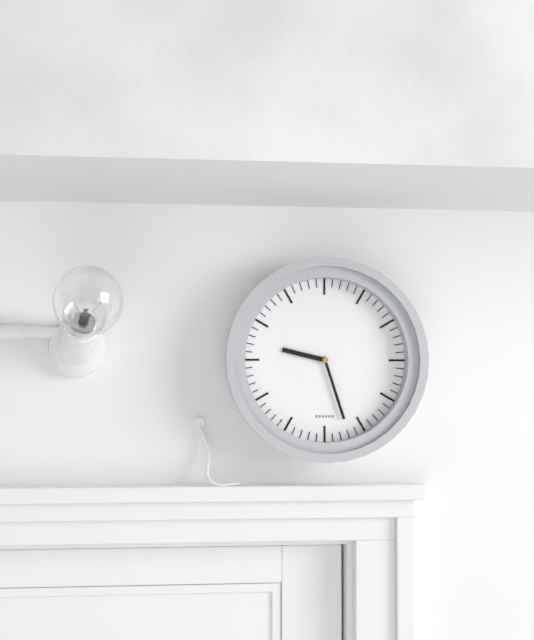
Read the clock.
9:27
